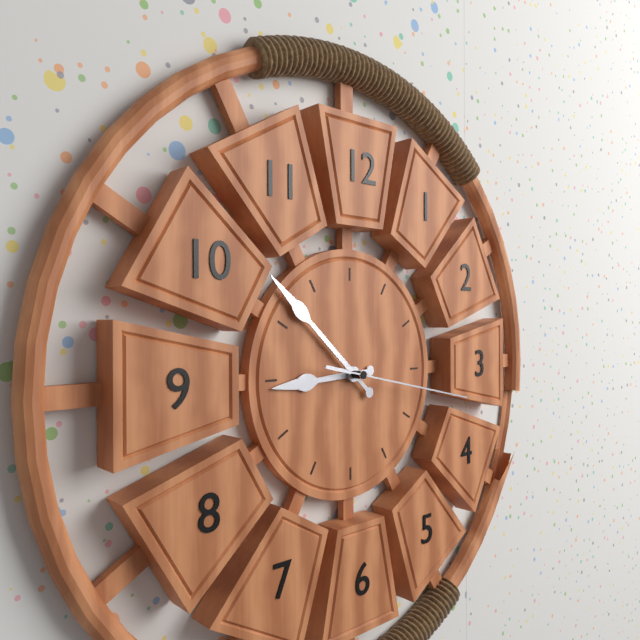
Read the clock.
8:52:17
